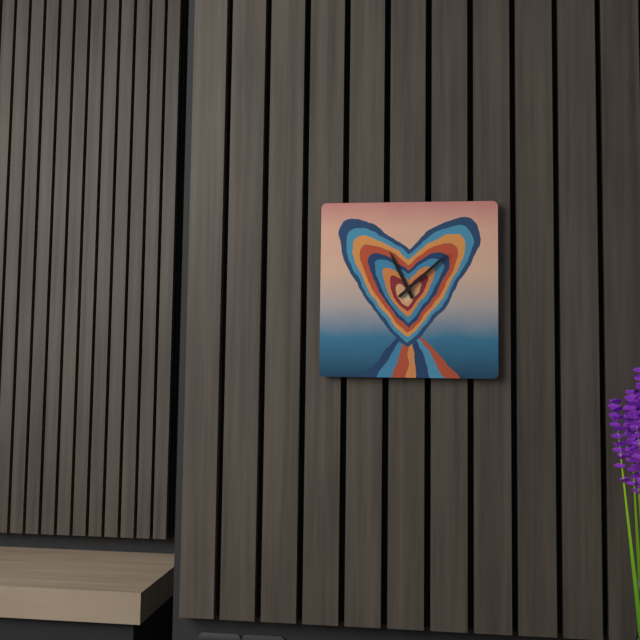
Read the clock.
11:08
